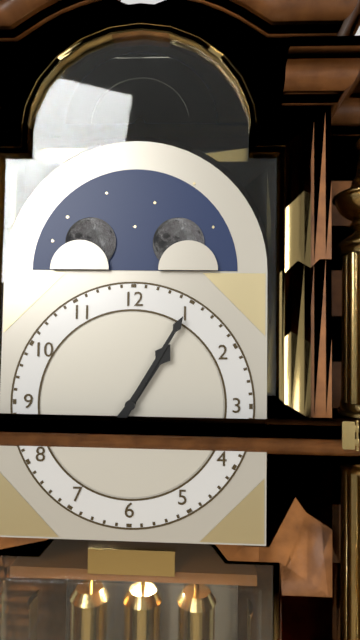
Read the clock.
1:05
